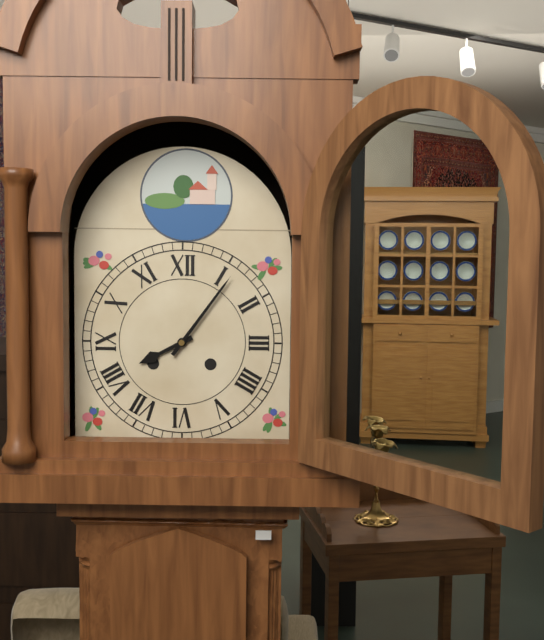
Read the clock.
8:06
